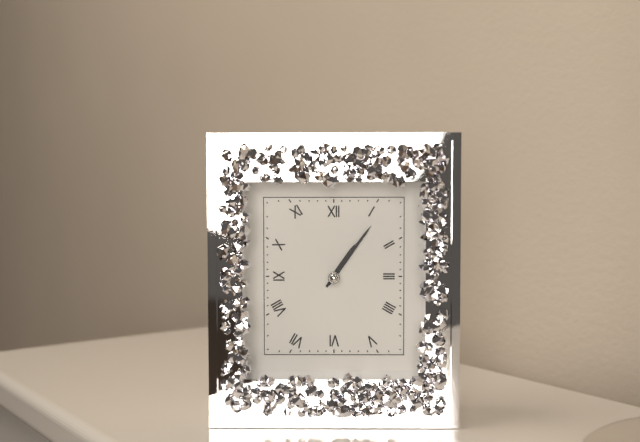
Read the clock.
1:06
